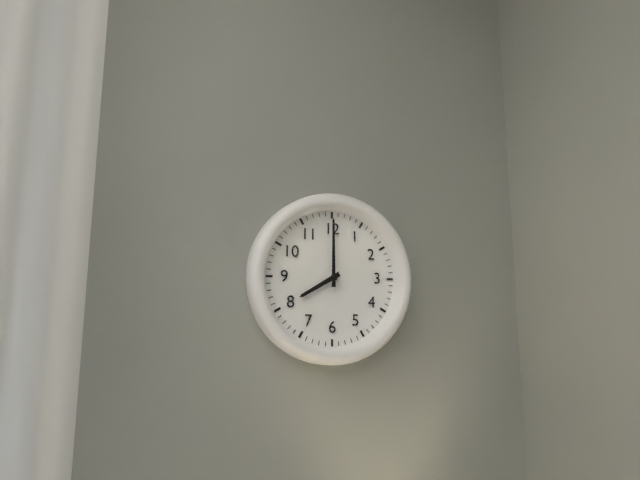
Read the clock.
8:00
